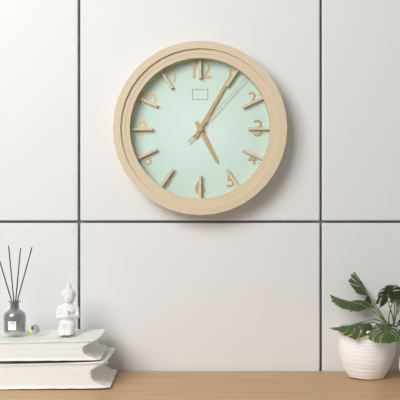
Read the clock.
5:05:07
